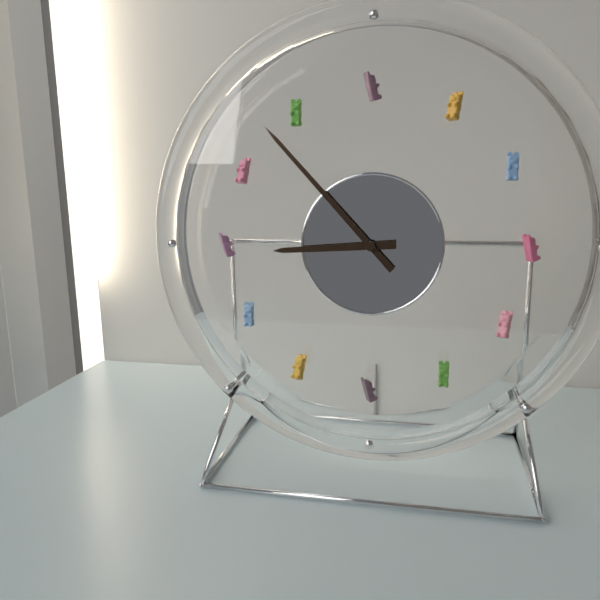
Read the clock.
8:53
